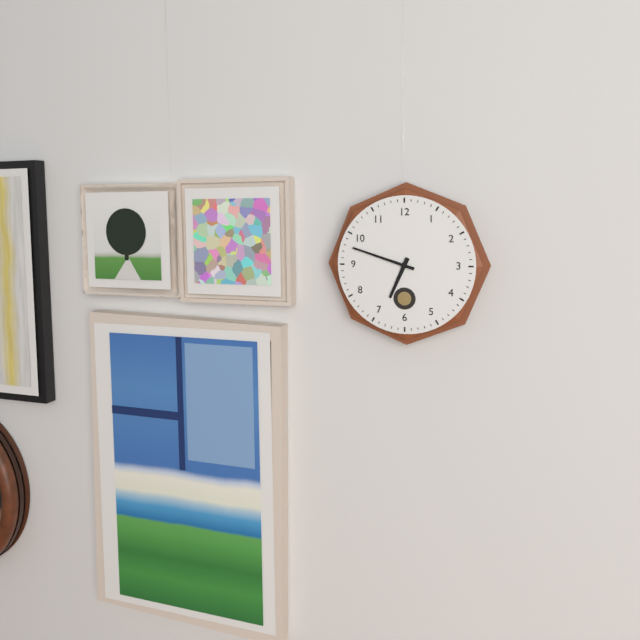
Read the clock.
6:48
